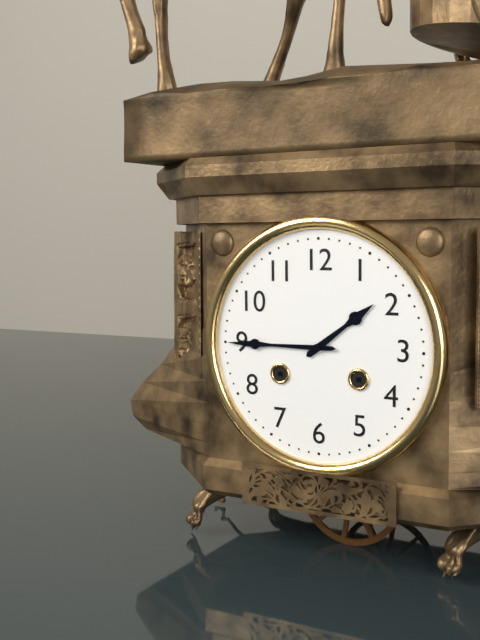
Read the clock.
1:45
